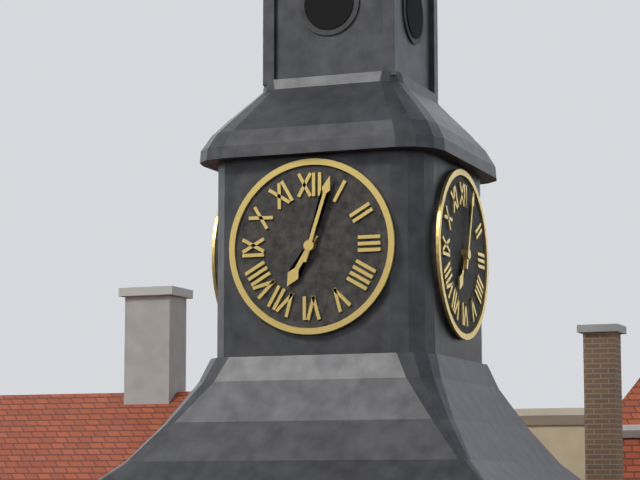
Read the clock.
7:03
